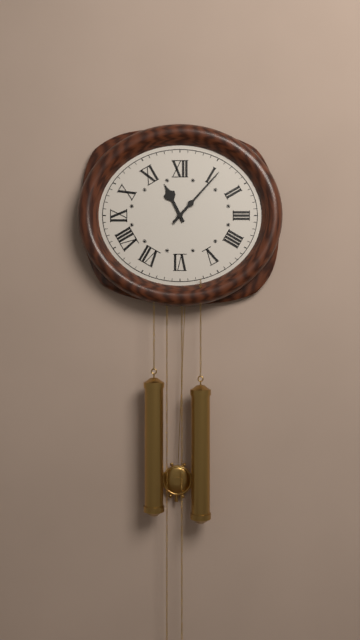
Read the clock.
11:07
